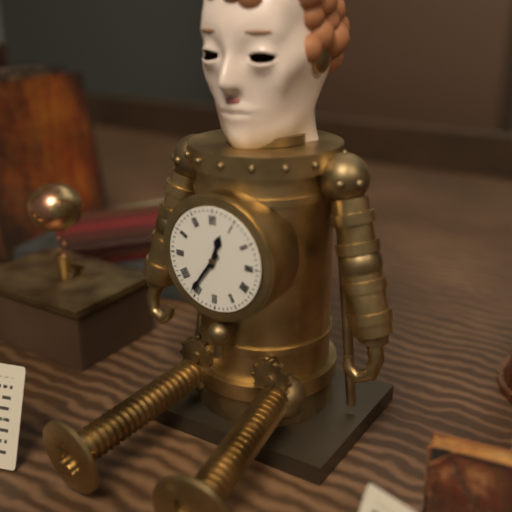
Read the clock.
12:36
